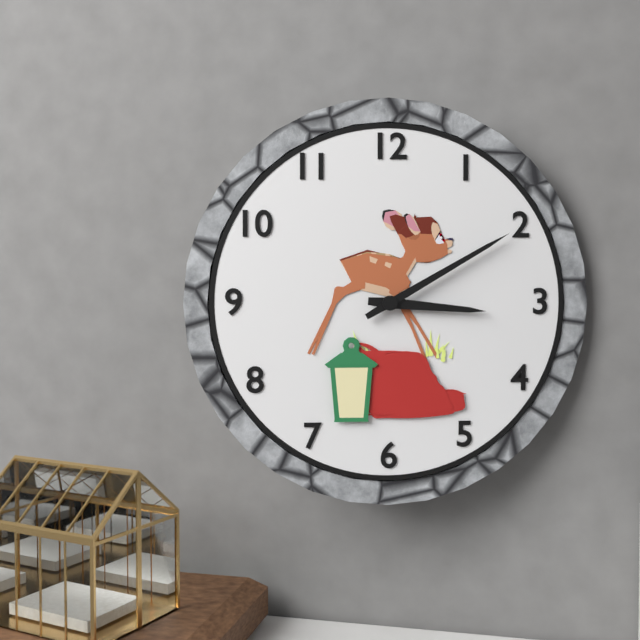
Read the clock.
3:10
